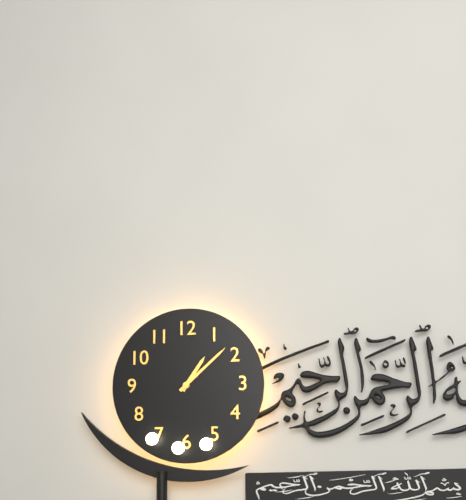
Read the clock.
1:08
